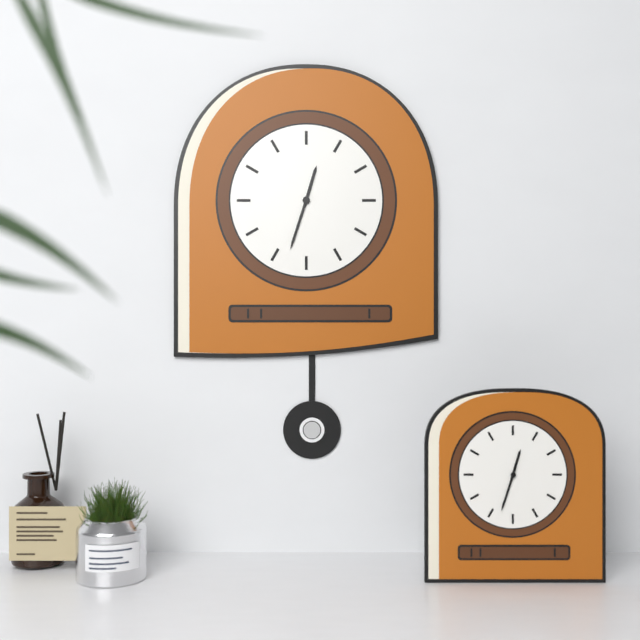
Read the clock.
12:33
